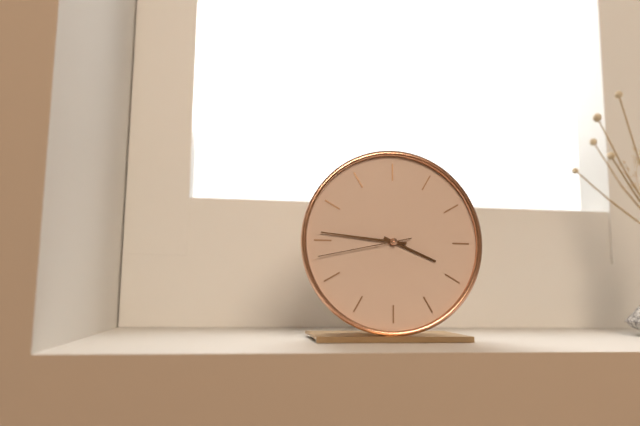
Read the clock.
3:46:43
